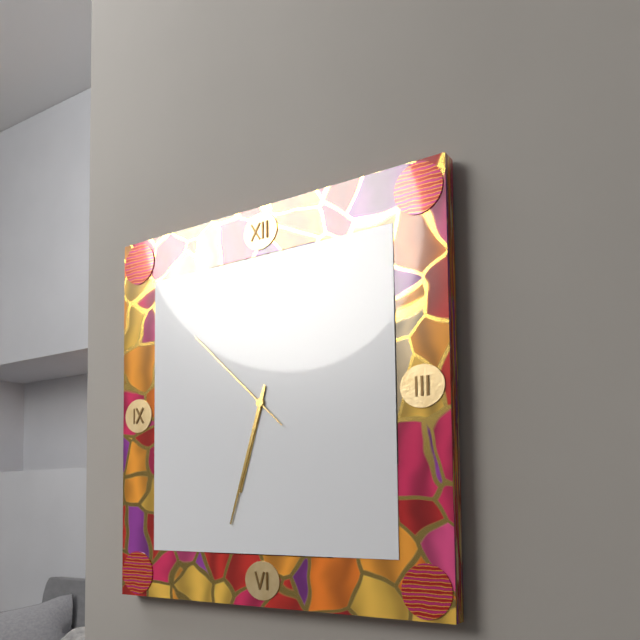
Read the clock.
6:33:52
